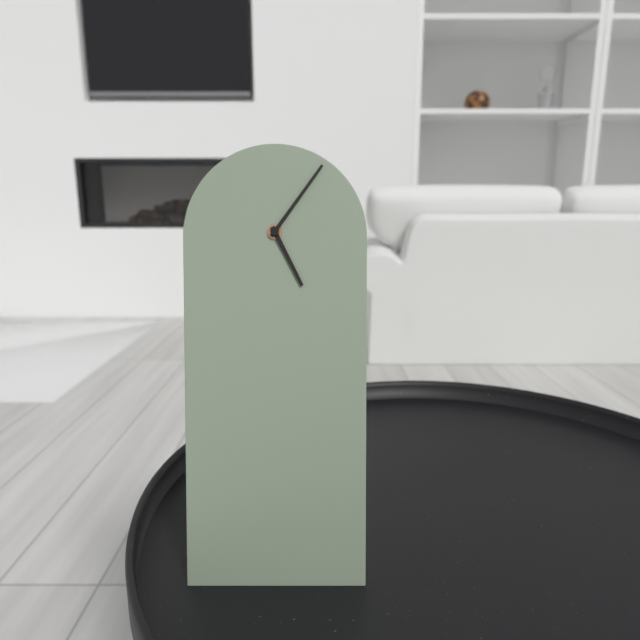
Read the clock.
5:06
